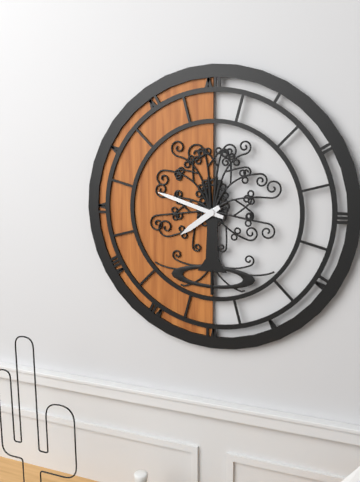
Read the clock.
7:48
